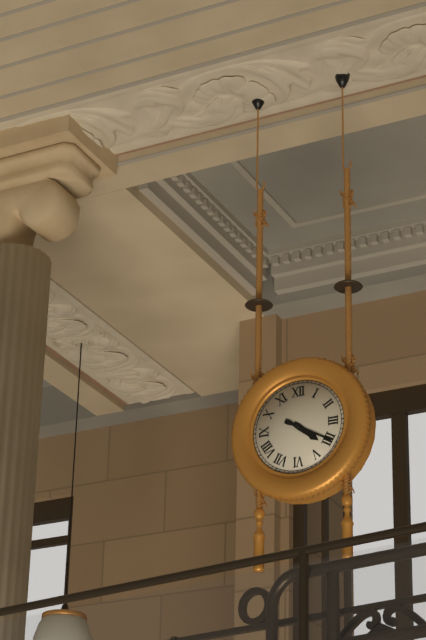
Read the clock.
4:20
